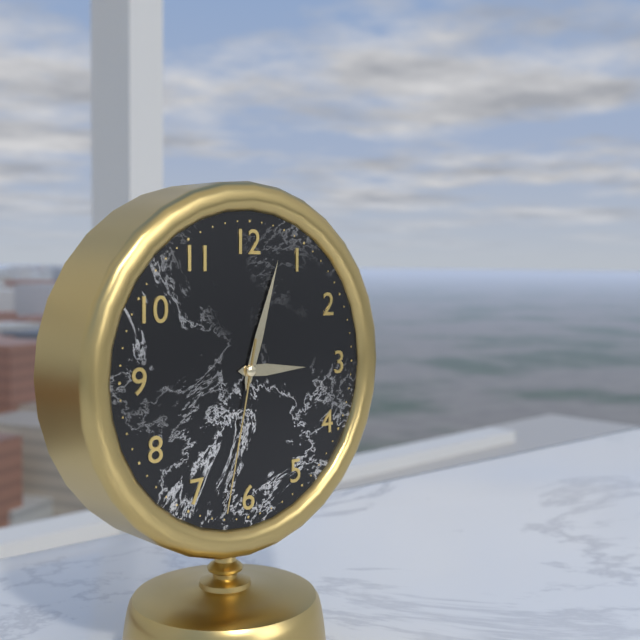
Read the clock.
3:03:32
